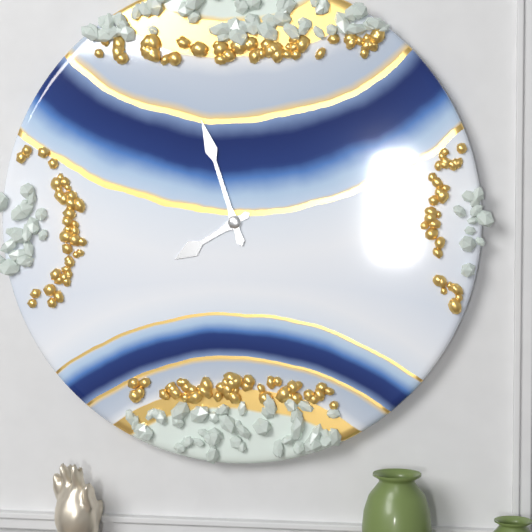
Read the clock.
7:57
